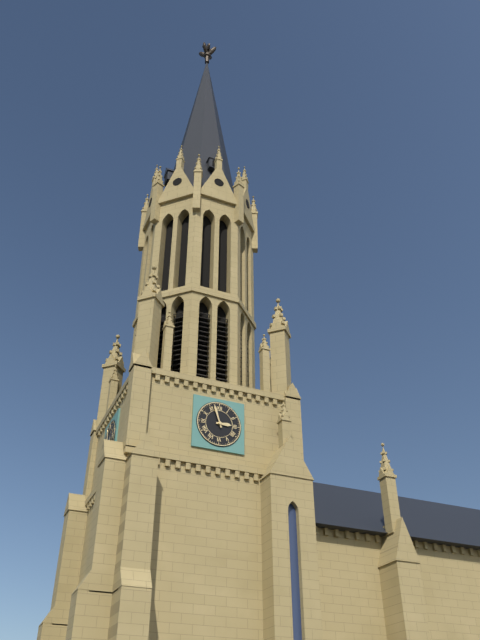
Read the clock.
2:57
